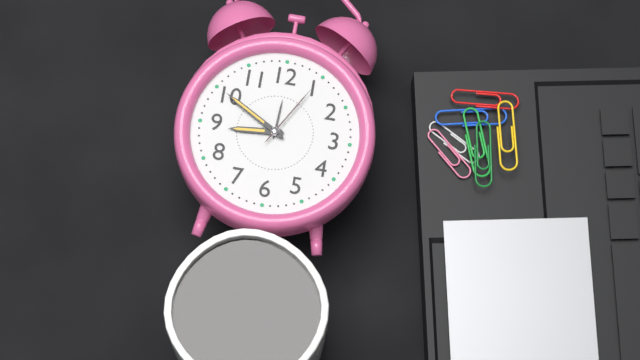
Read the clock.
8:50:05
